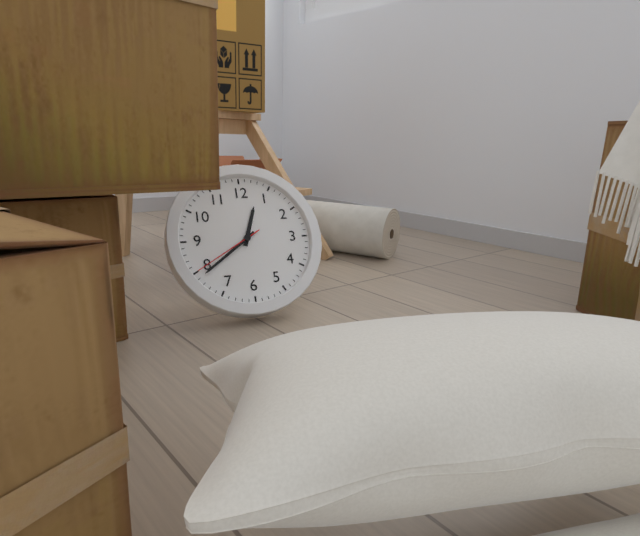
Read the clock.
12:39:40
